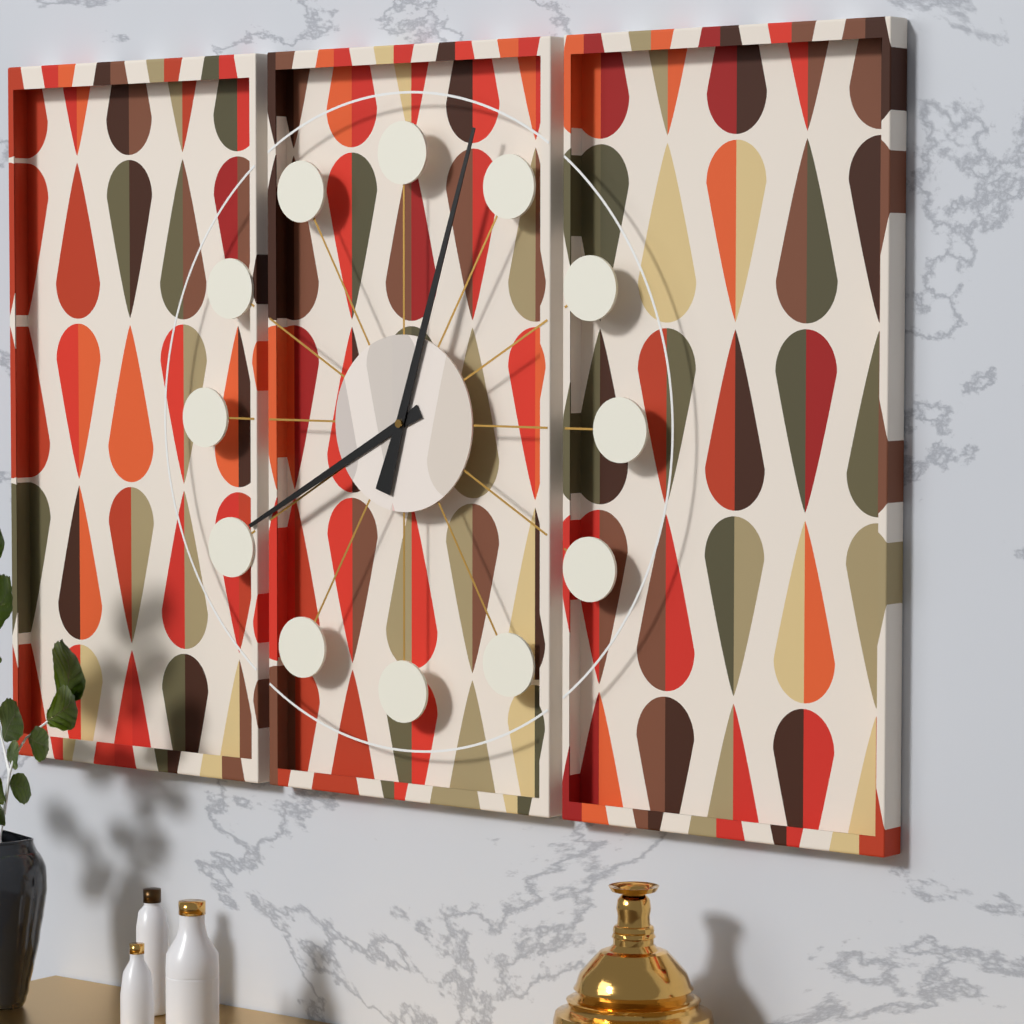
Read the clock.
8:03
